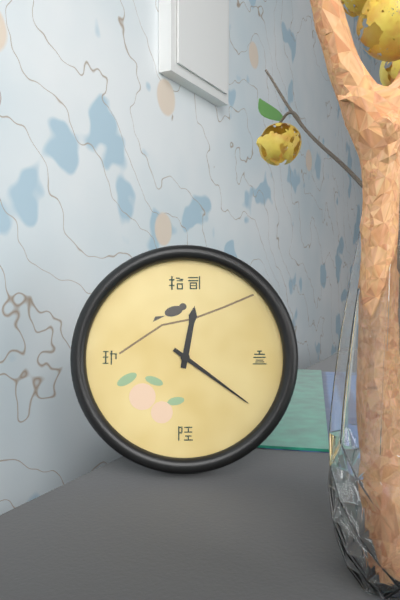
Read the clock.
12:21
